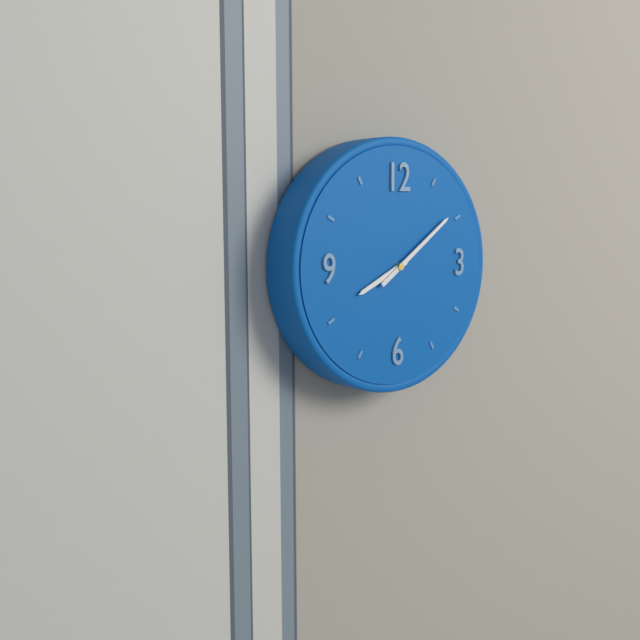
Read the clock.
8:09
